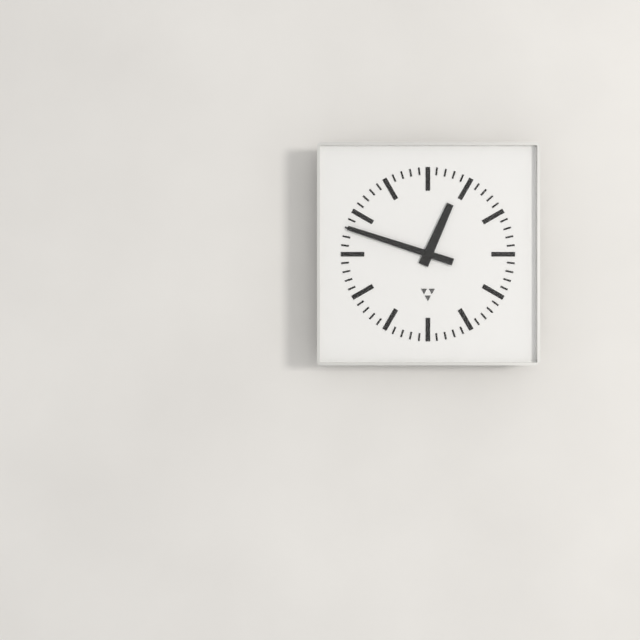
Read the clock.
12:48
